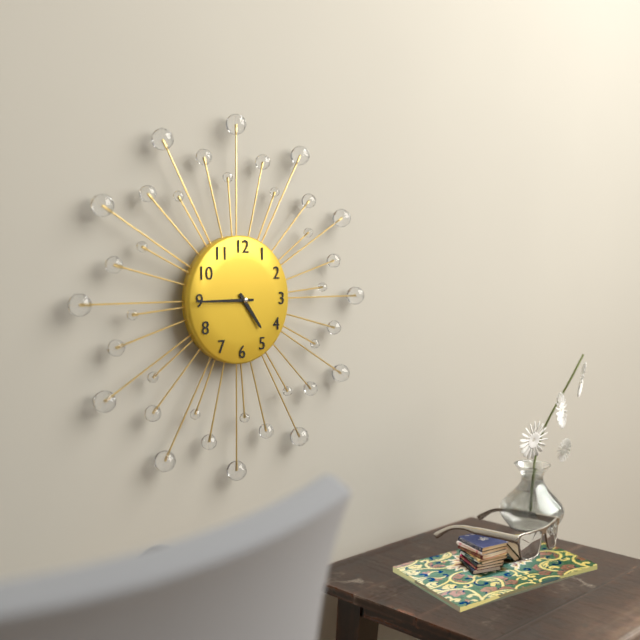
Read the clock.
4:45
